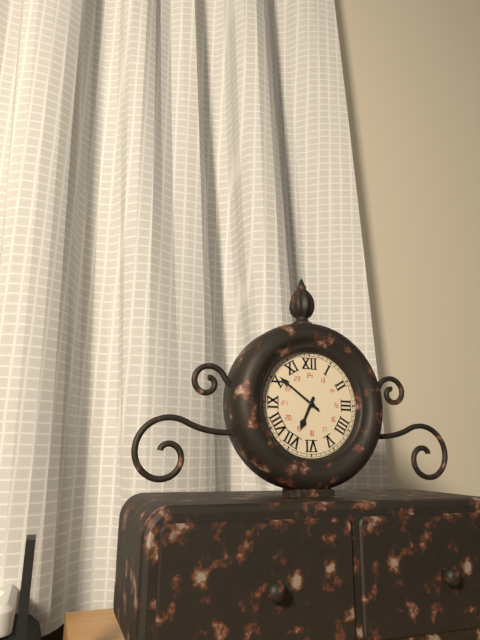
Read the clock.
6:51
